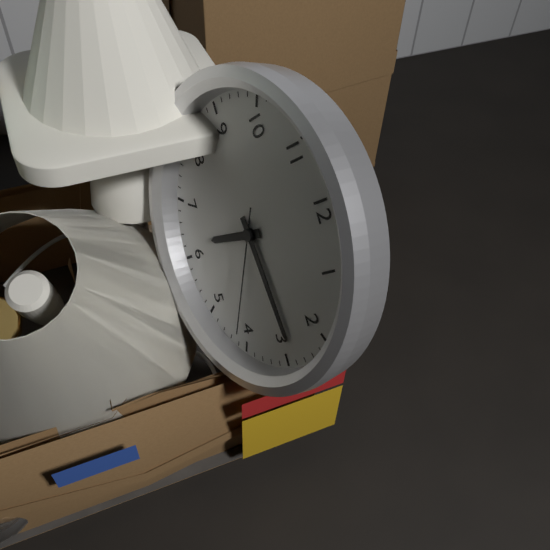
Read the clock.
6:14:21
